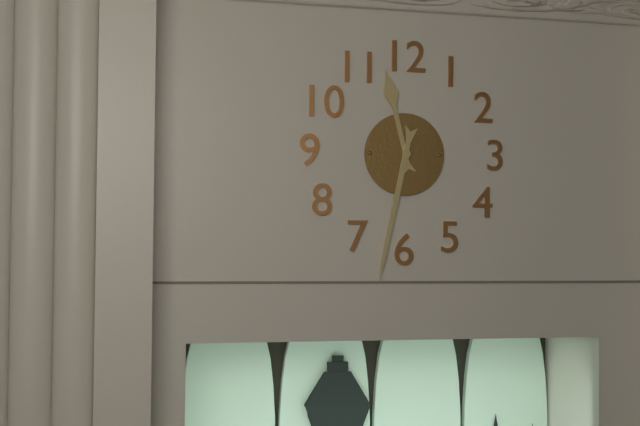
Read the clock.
11:32
